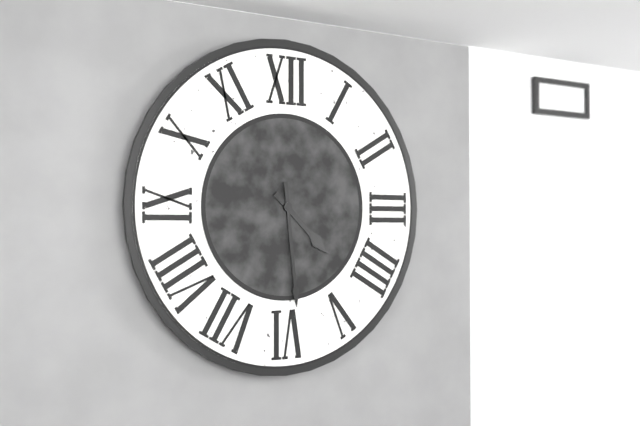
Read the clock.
4:29
